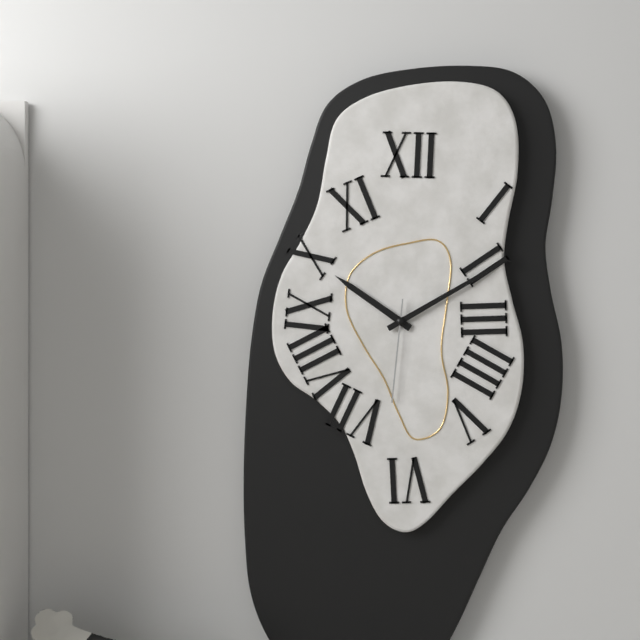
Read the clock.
10:10:31
